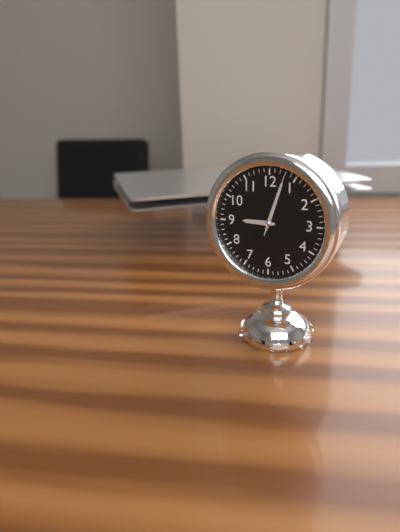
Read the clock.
9:03:03
